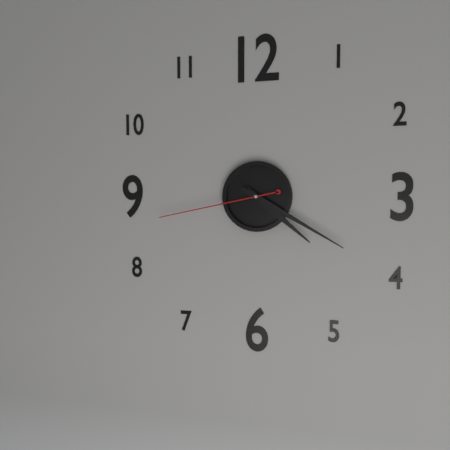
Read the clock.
4:20:43
